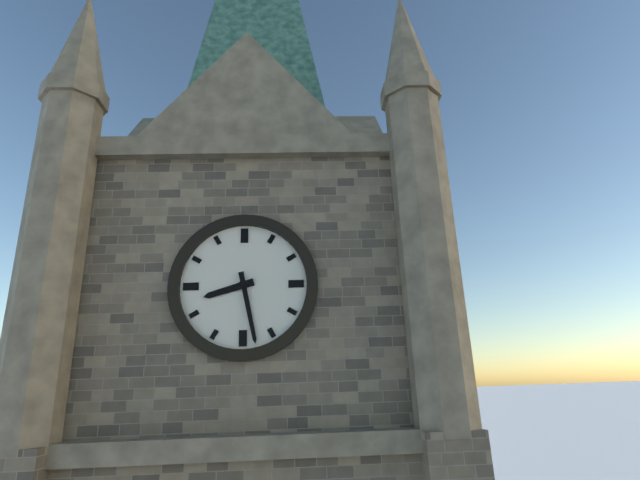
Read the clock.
8:28
